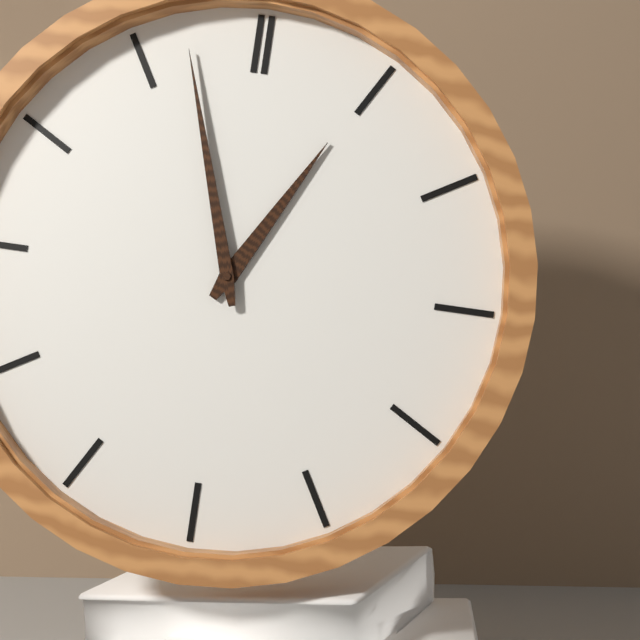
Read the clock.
12:57
